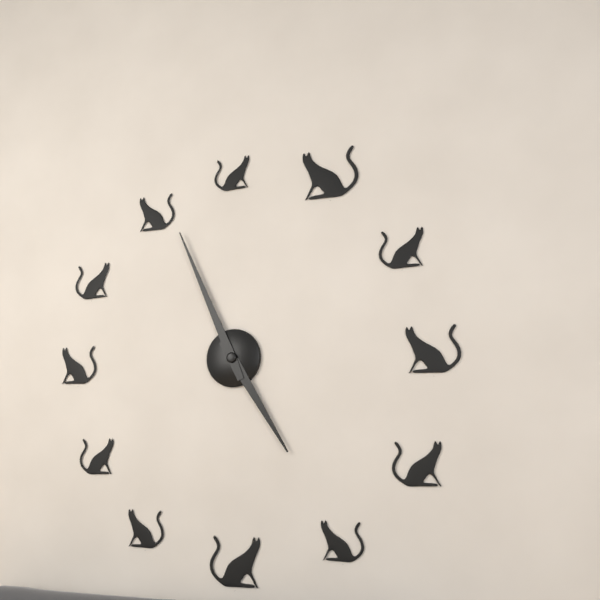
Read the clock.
4:56
